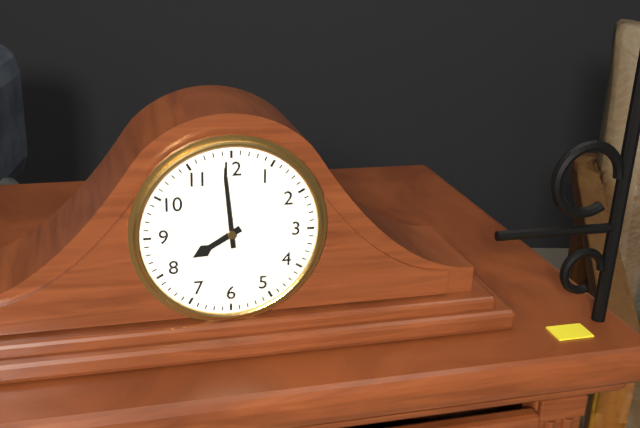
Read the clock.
7:59
